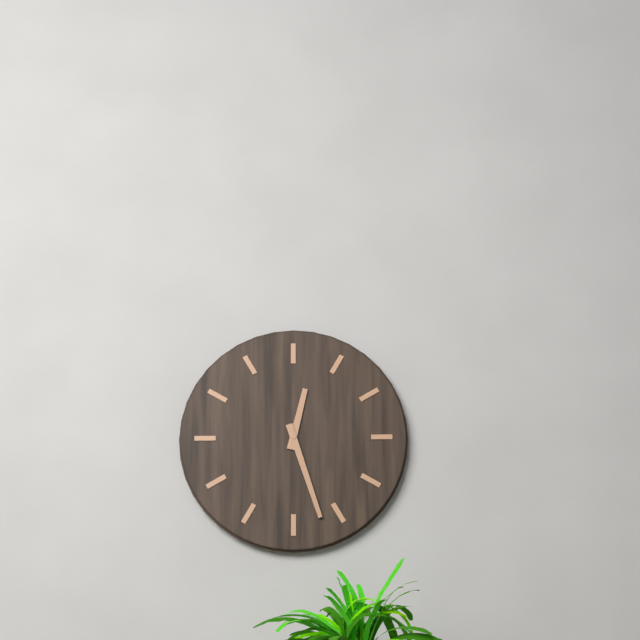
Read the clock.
12:27
